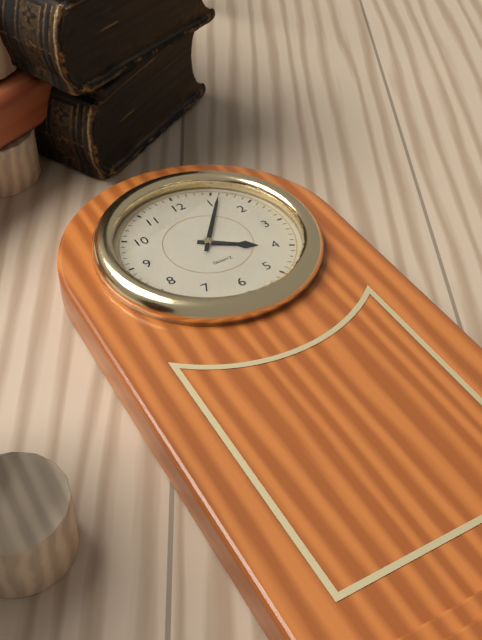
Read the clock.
4:06
